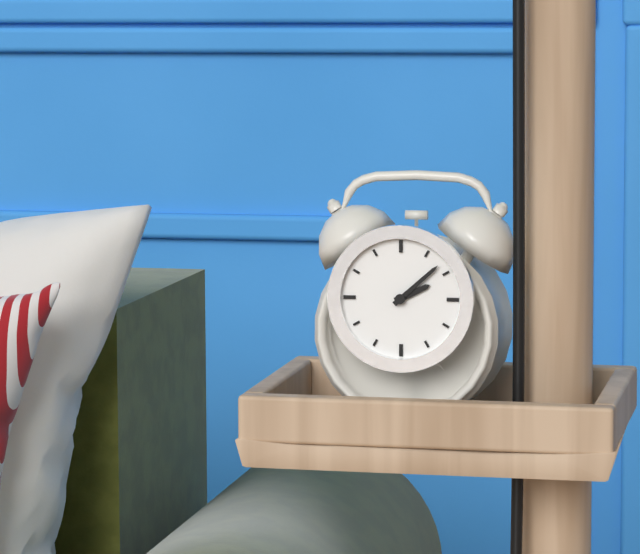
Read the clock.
2:08
